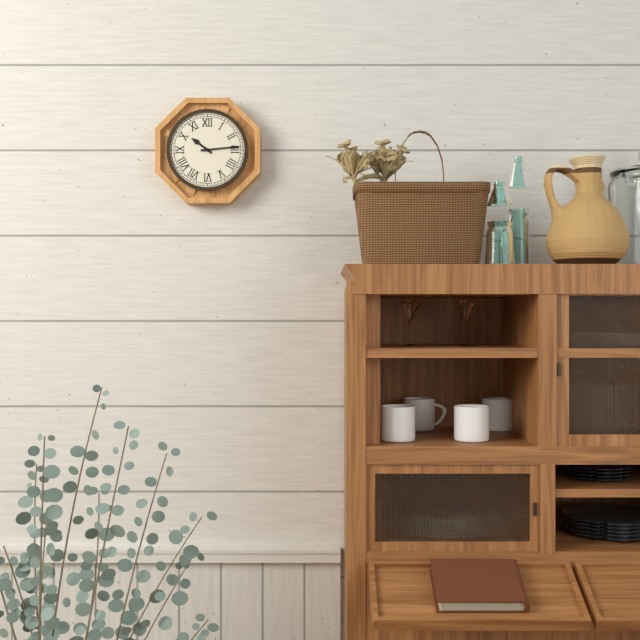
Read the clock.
10:14
